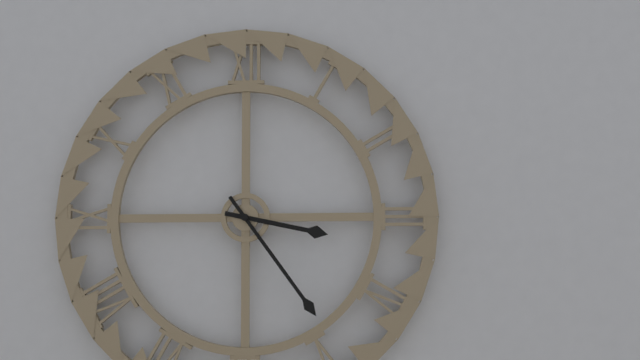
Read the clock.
3:24
